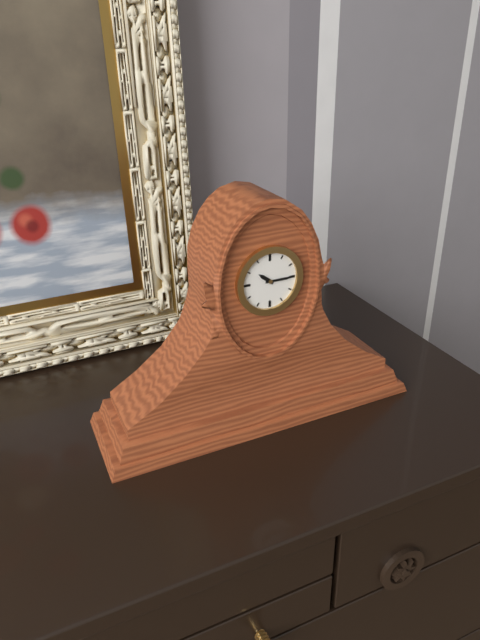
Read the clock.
10:15
